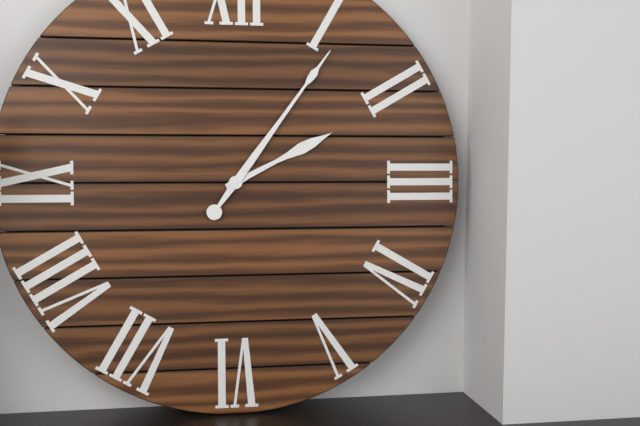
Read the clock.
2:06
